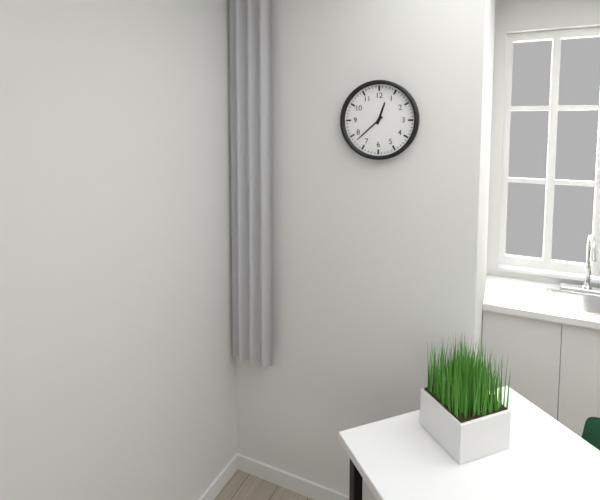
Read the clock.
12:38
